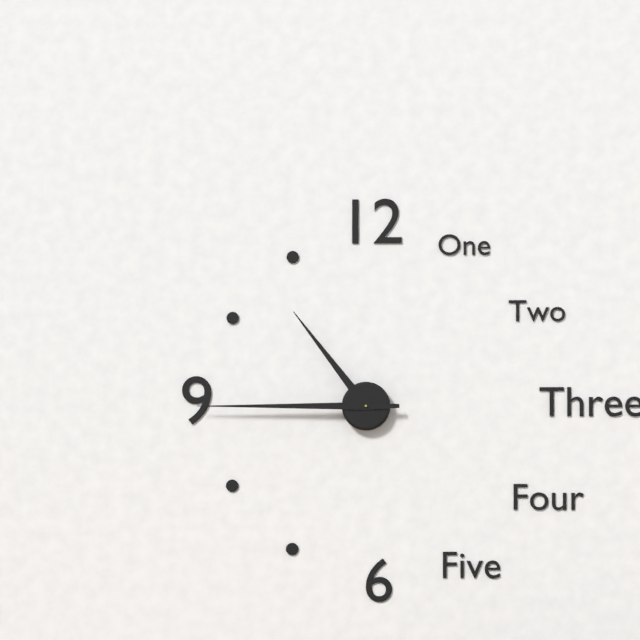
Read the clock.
10:45
